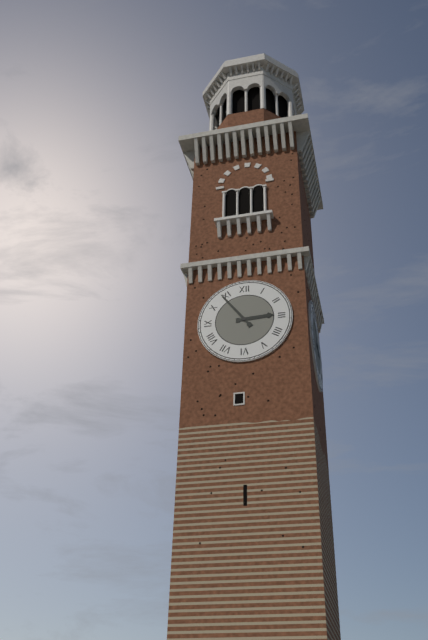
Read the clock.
2:54
